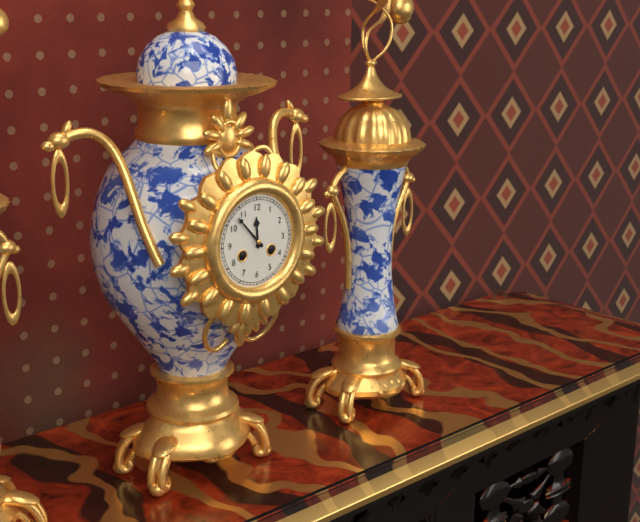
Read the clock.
11:53
